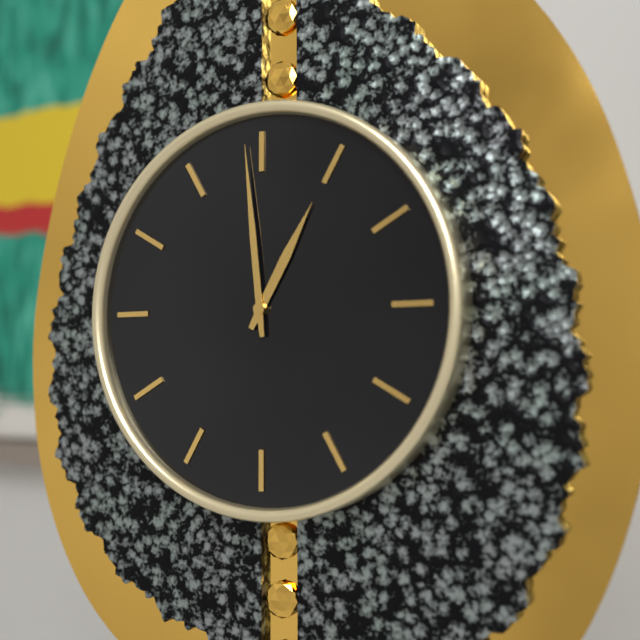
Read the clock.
12:59
